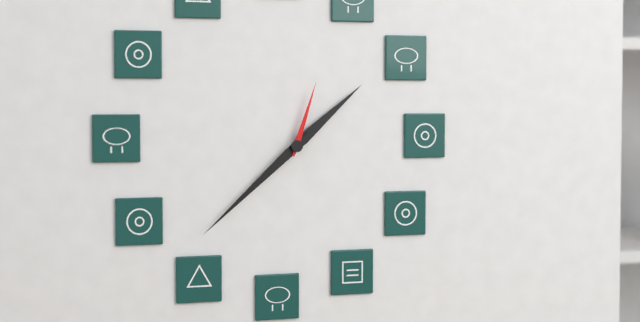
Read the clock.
1:38:03
